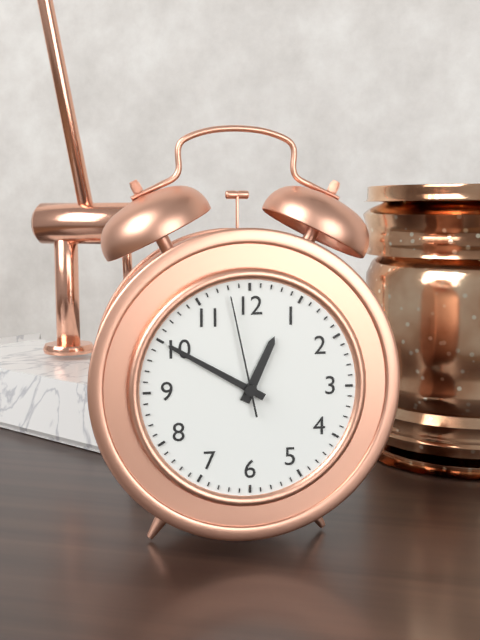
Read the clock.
12:50:58
